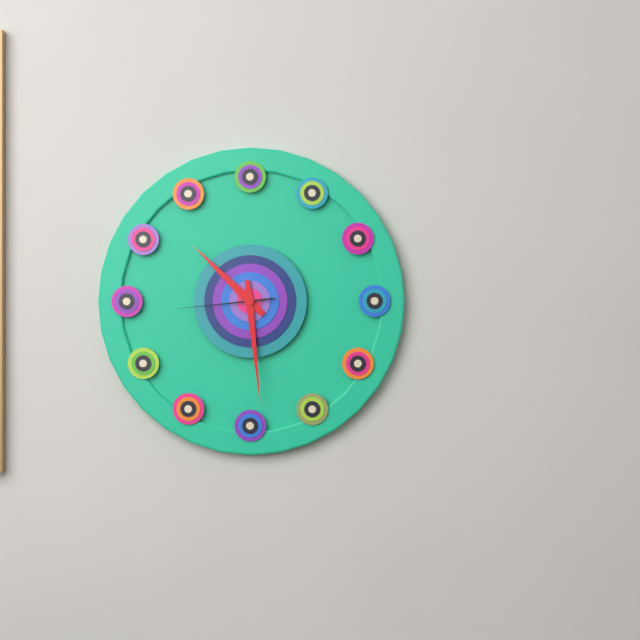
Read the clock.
10:29:44
